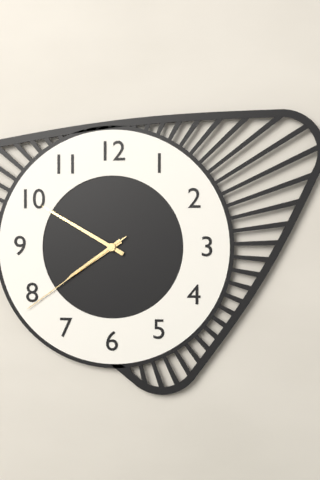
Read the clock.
7:50:39
